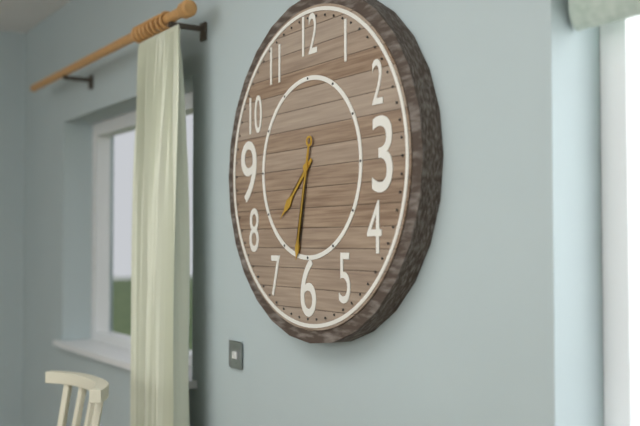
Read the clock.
7:32
